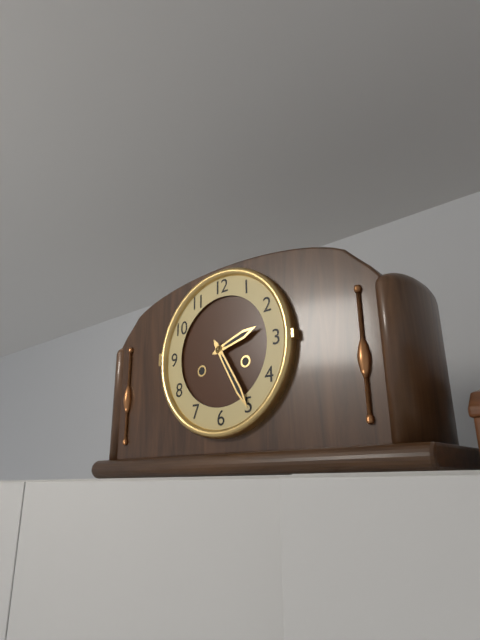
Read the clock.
2:25
